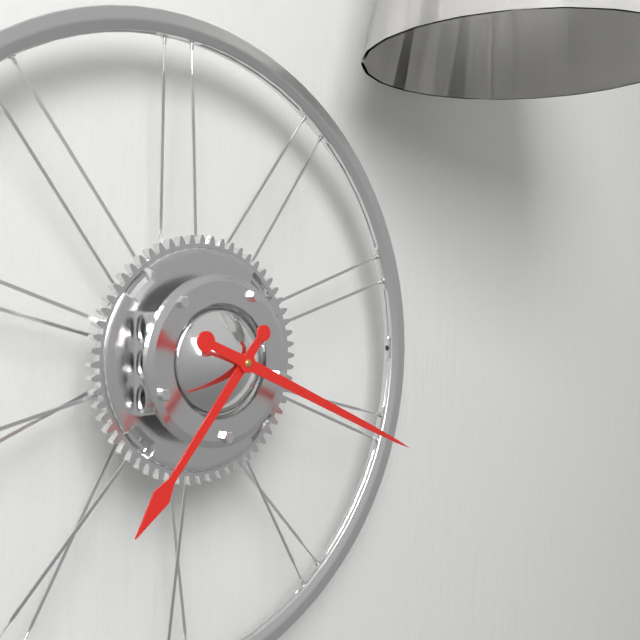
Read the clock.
7:19
